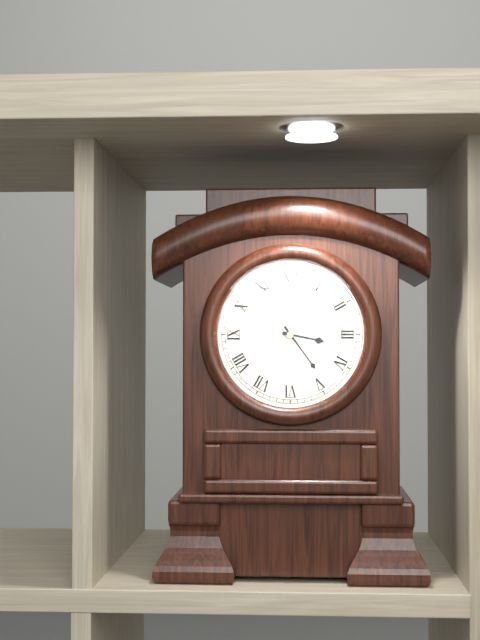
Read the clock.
3:24
